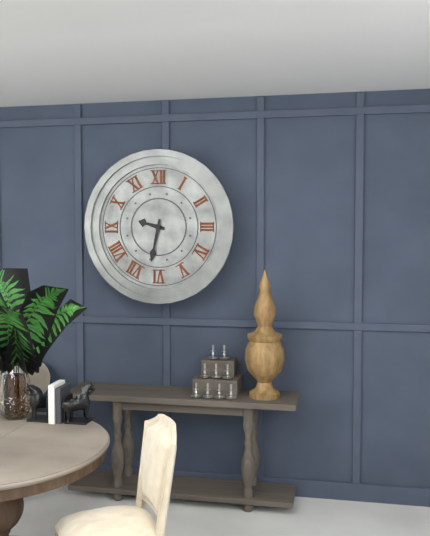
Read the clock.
9:32
